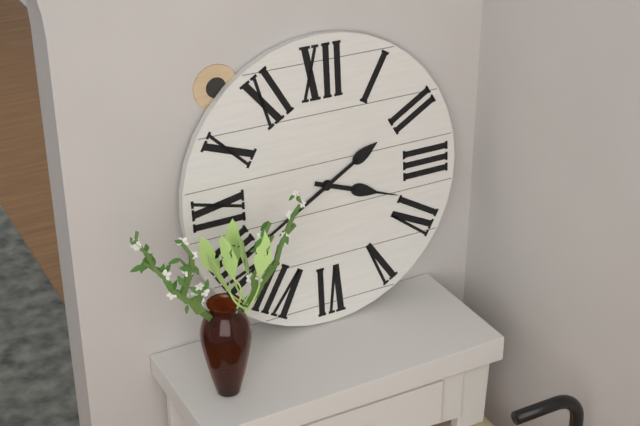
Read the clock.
3:40
